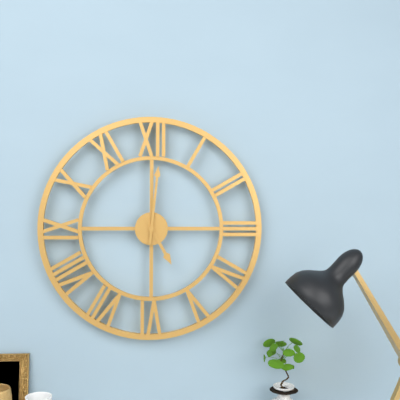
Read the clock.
5:01
